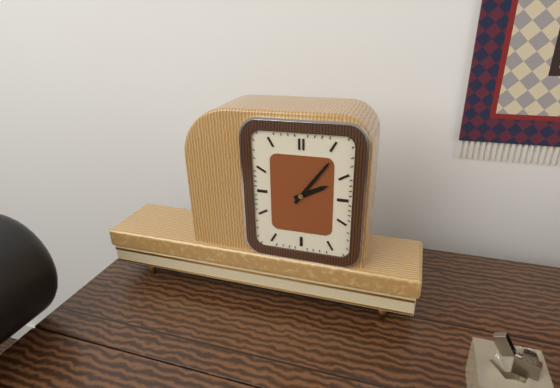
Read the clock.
2:06
